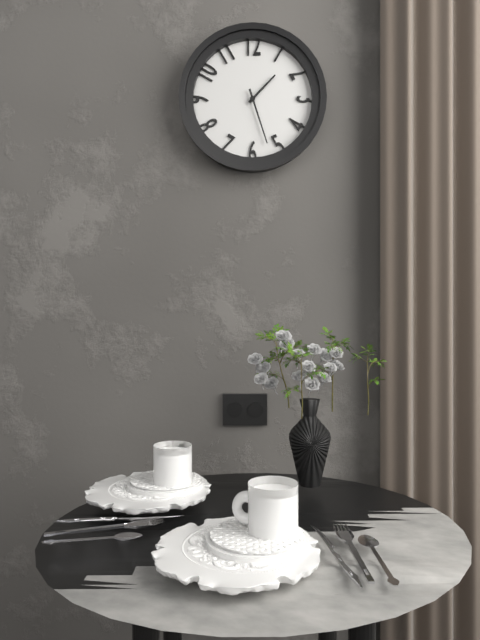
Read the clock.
1:27
